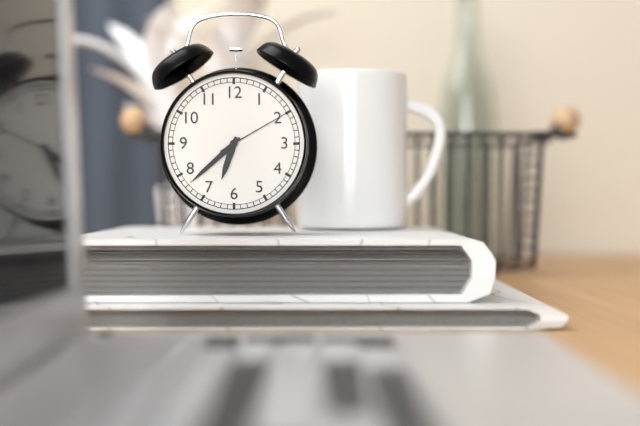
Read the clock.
6:38:10
